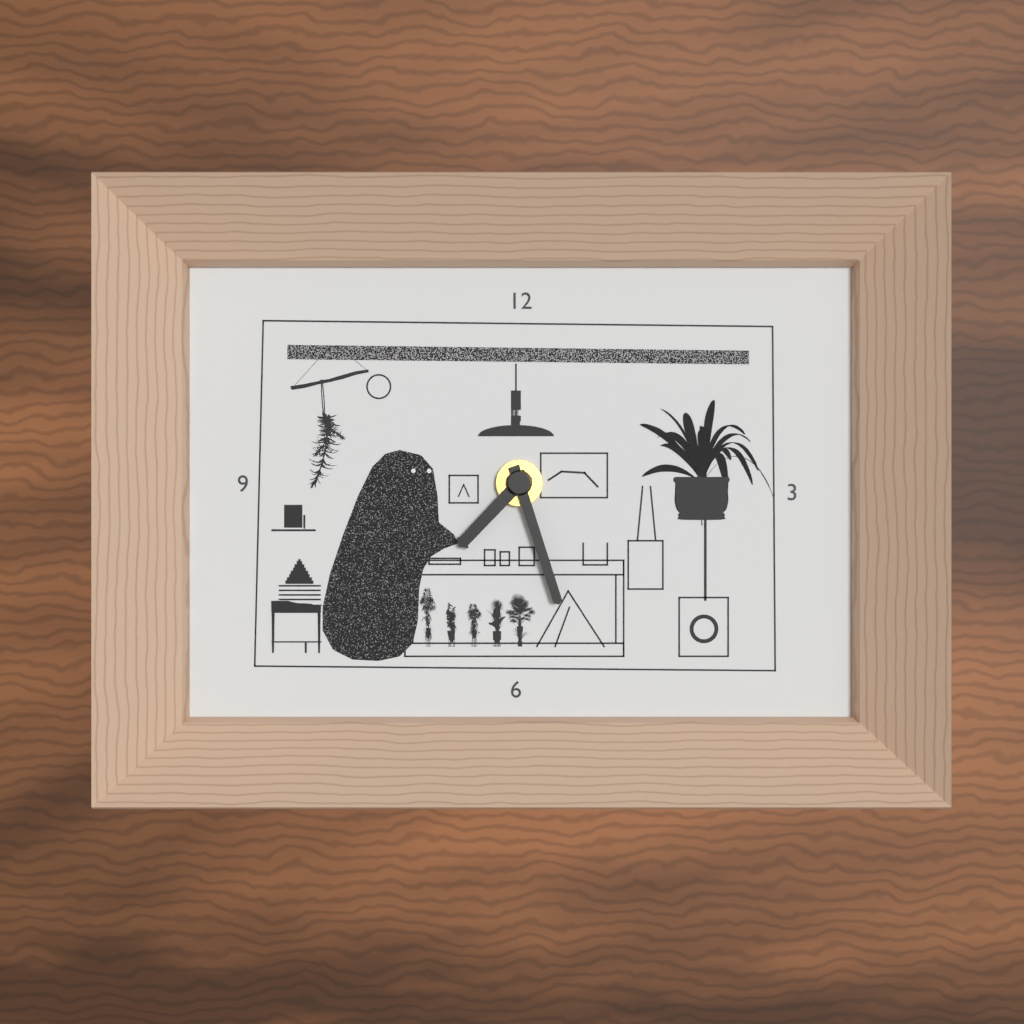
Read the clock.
7:27
